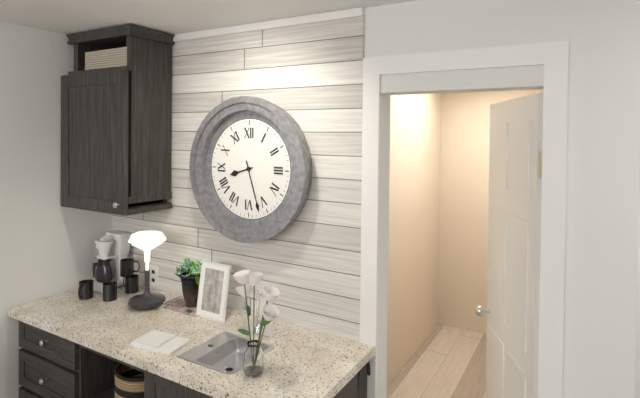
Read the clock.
8:27
